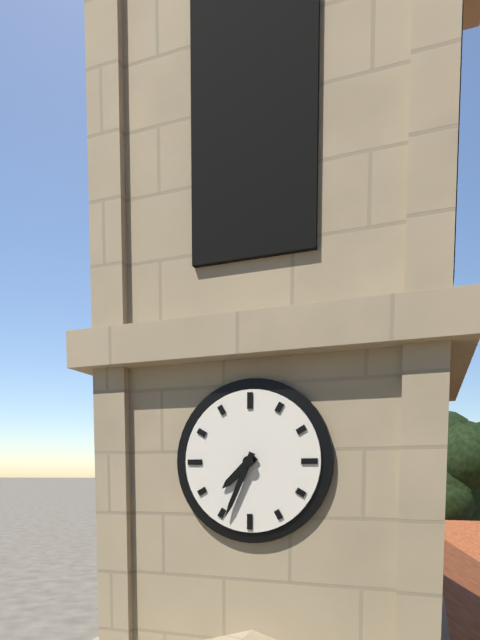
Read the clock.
7:34
